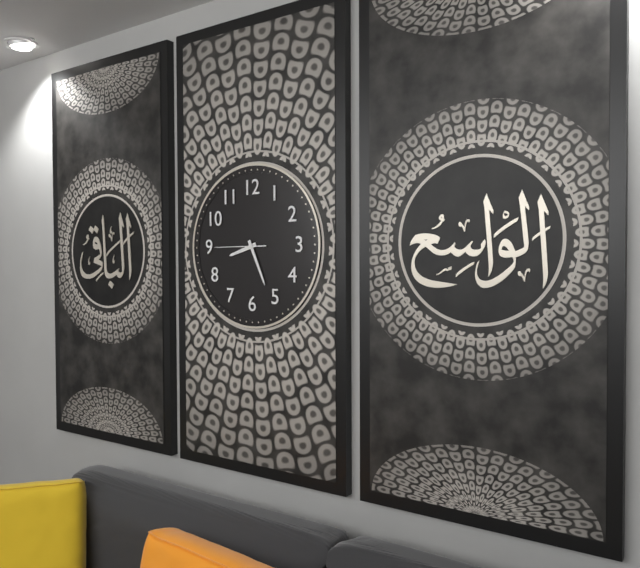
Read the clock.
8:26
